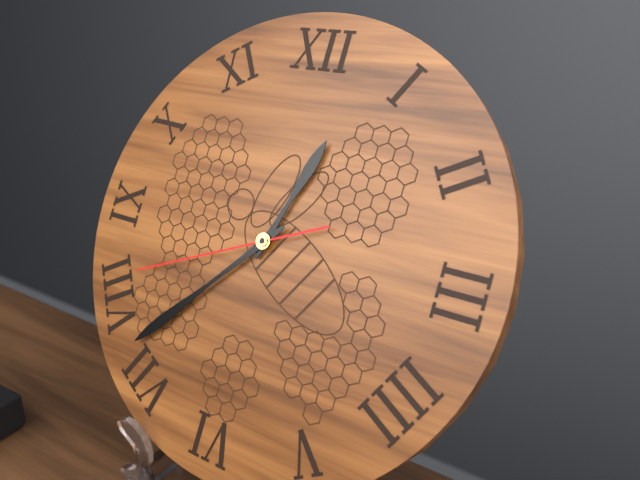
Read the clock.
12:37:41
